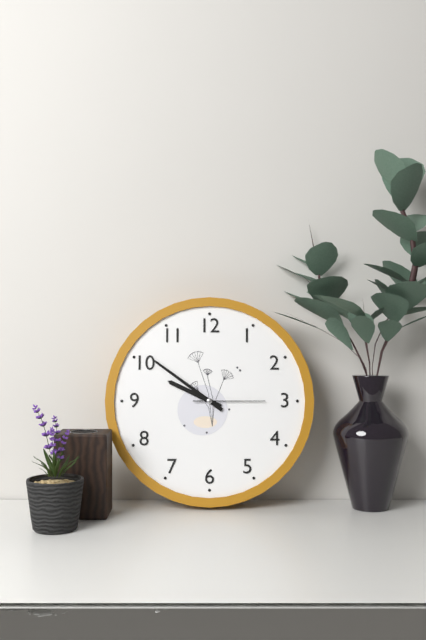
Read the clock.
9:51:15
